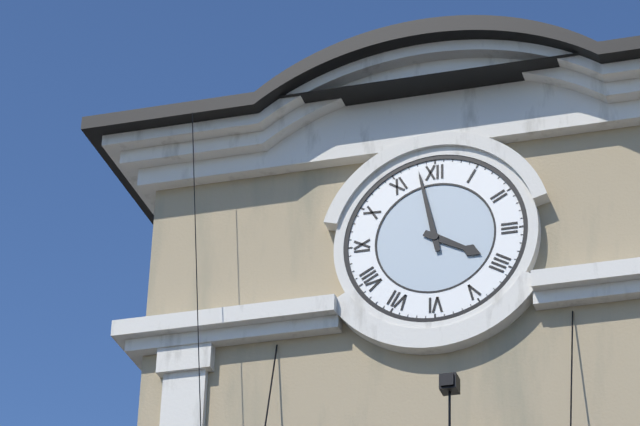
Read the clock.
3:58
